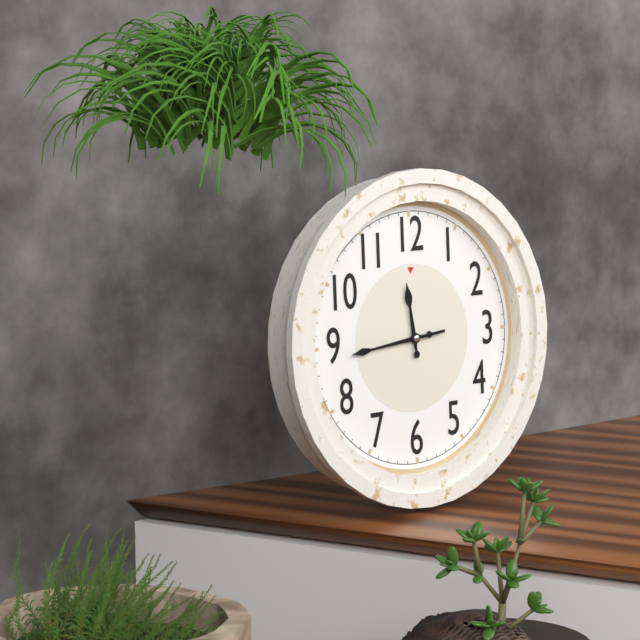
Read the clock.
11:44:44
